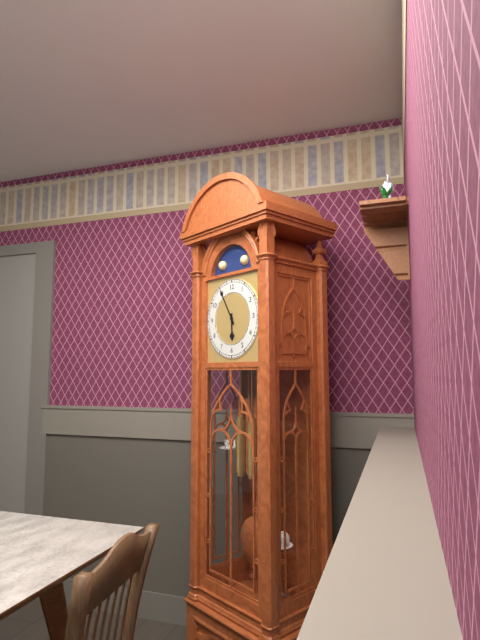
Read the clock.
5:55
